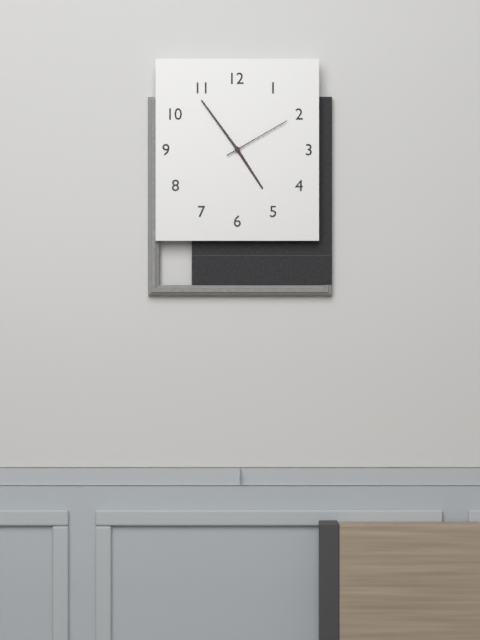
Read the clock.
4:54:10
